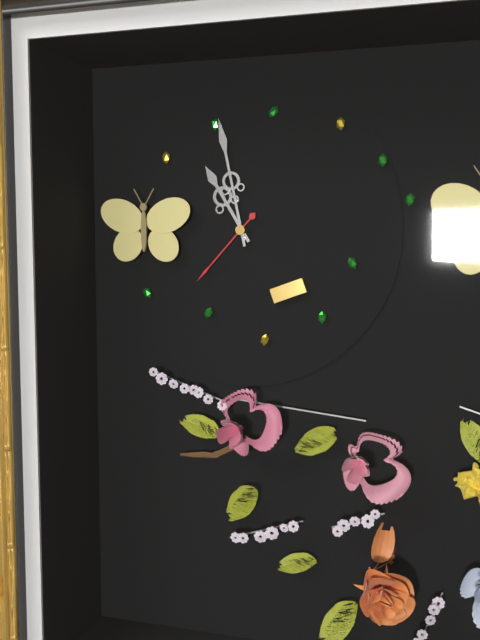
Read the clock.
10:58:37
